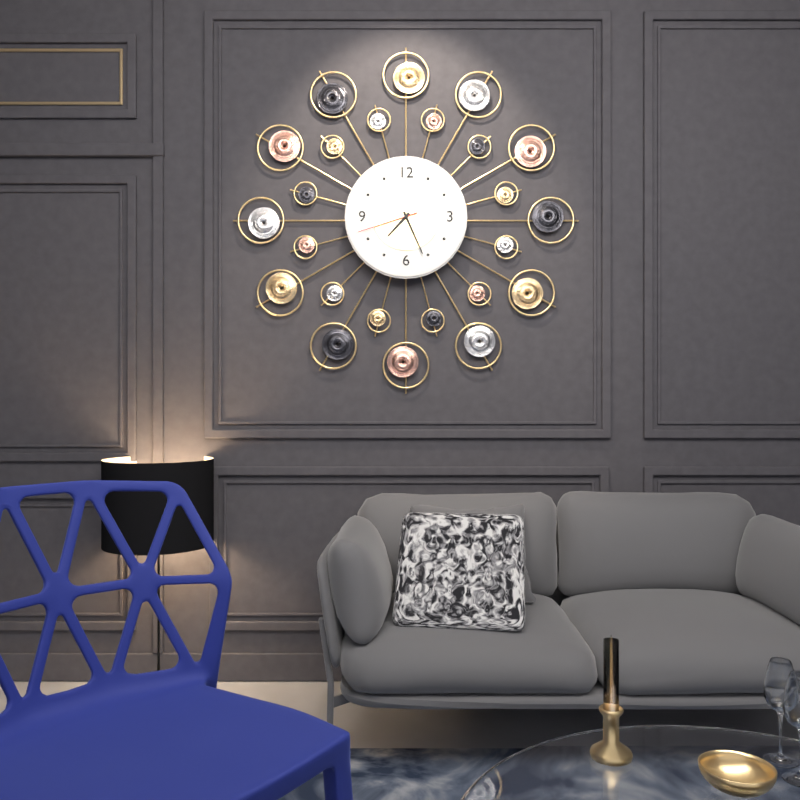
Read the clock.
7:26:42
